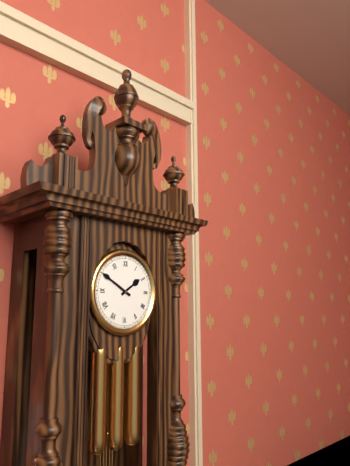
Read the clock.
1:50
